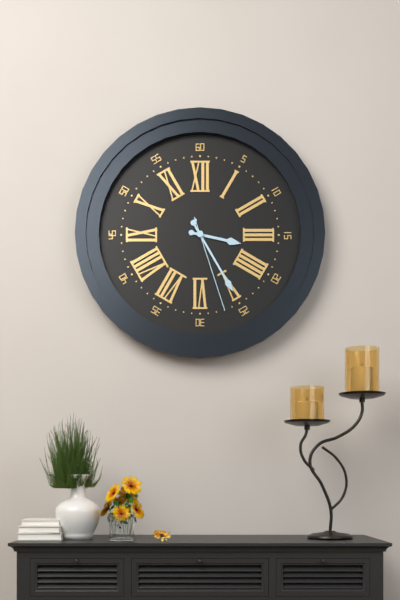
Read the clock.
3:25:27
